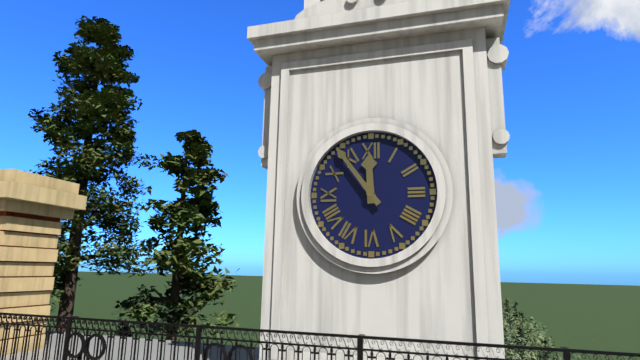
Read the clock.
11:54
